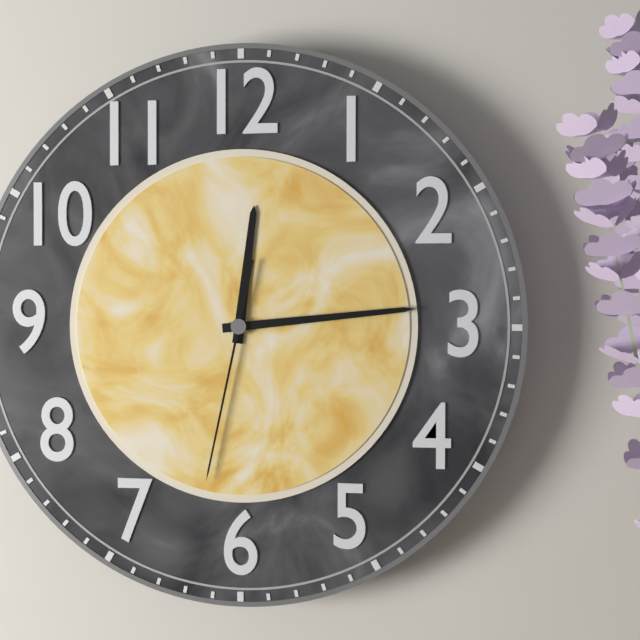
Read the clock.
12:14:32
